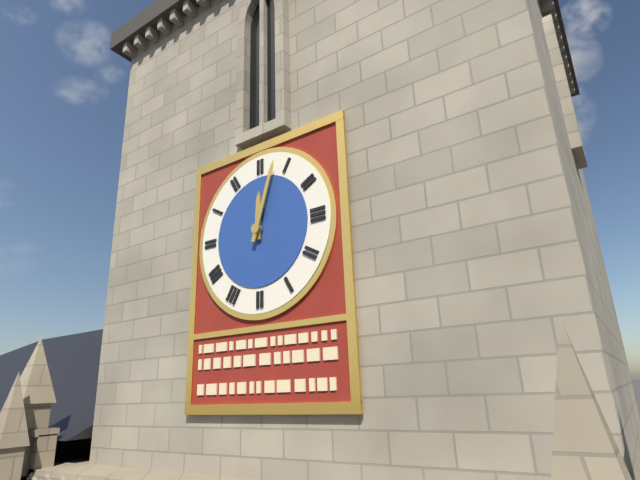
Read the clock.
12:03
